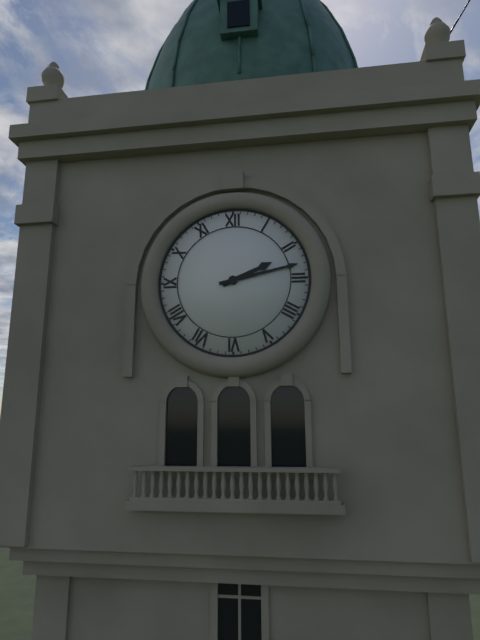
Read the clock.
2:13
